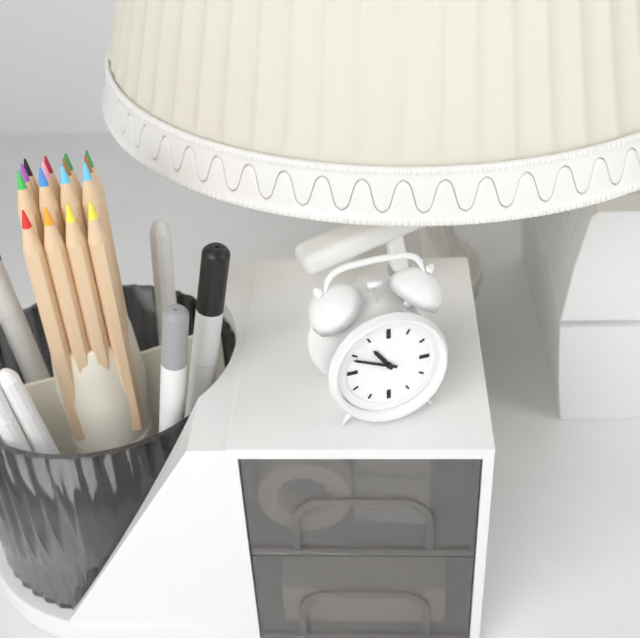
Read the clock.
10:49
